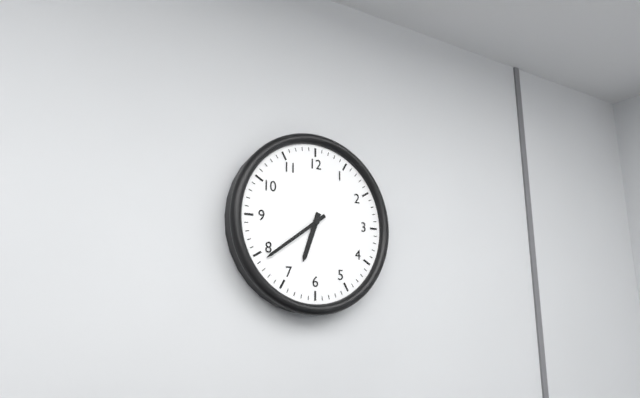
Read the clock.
6:39
